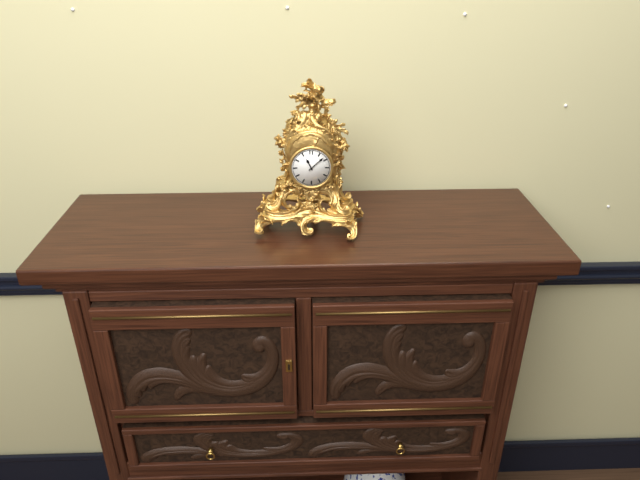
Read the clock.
11:08
